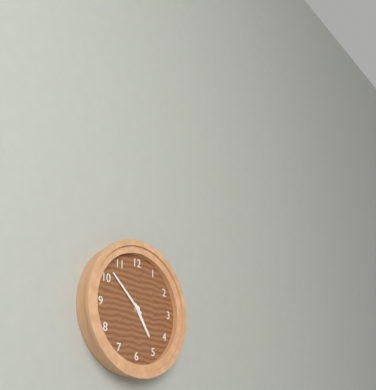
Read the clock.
4:52
